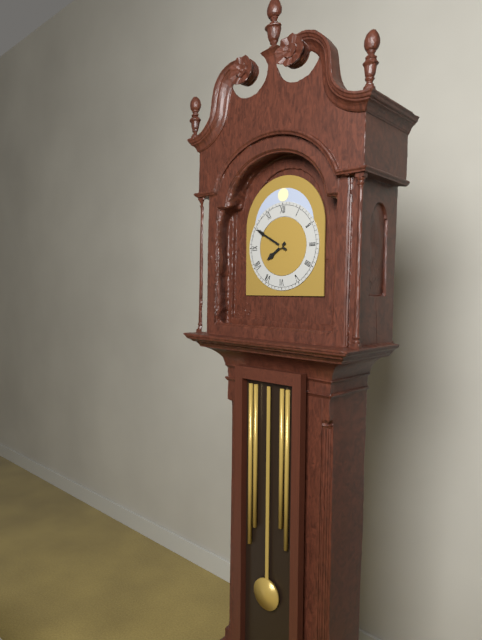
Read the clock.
7:50
